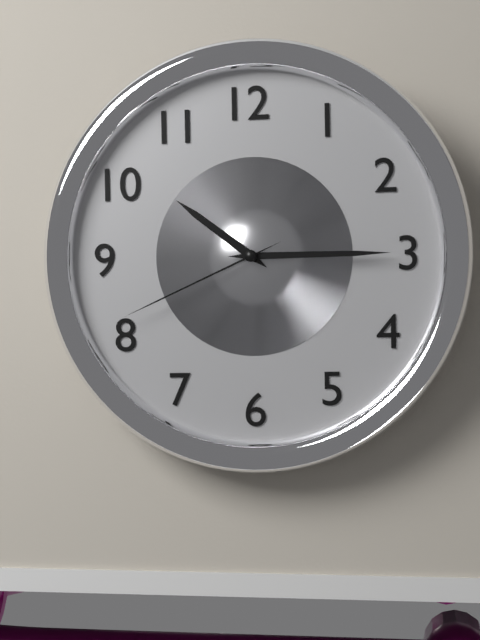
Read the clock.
10:15:41
